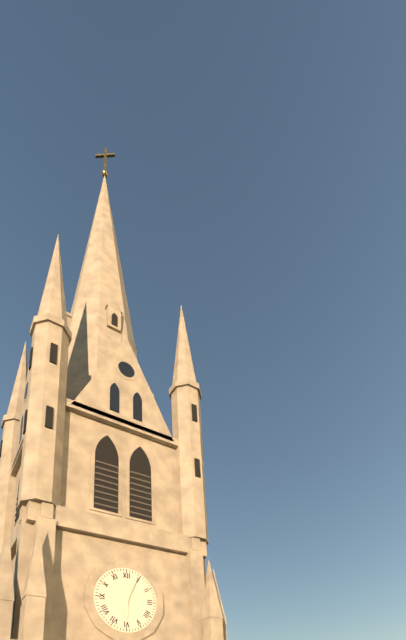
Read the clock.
6:04
